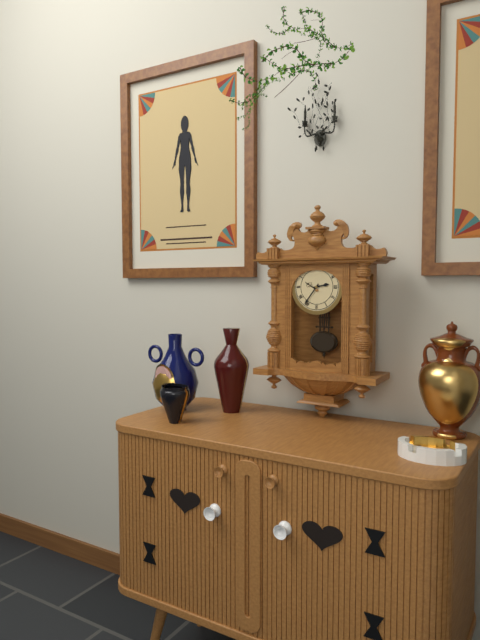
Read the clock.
2:36
